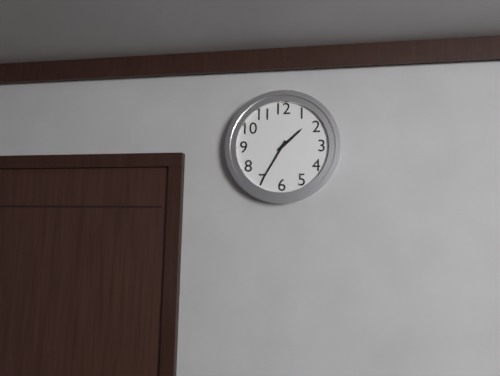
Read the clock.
1:35
